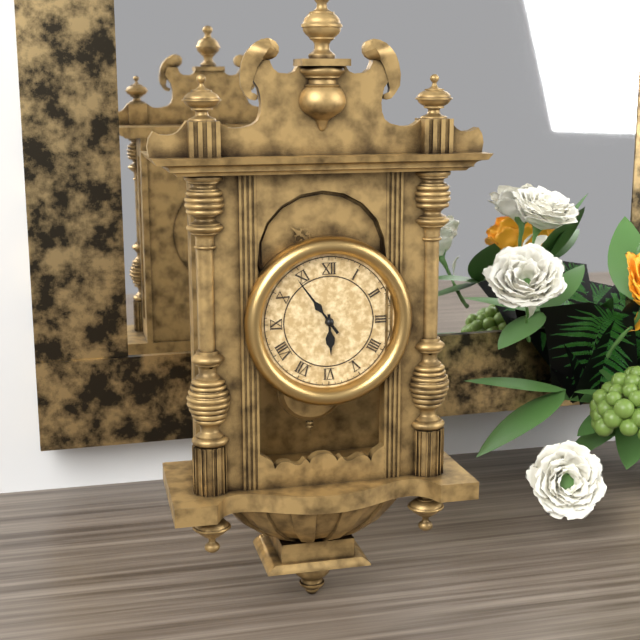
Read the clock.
5:54
